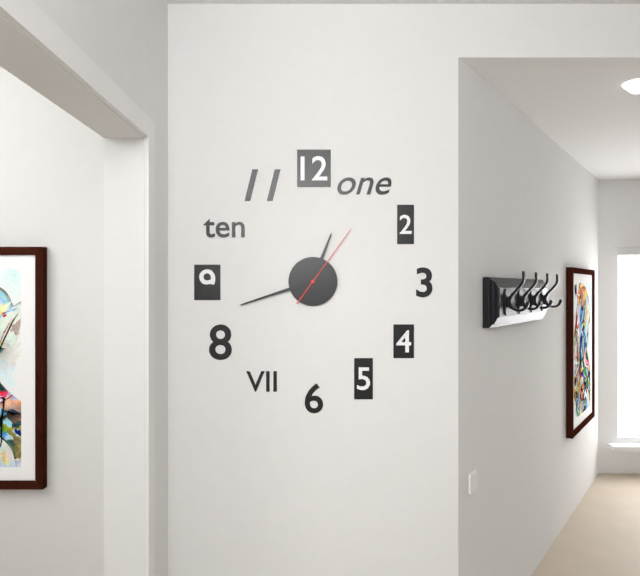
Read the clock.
12:42:06
